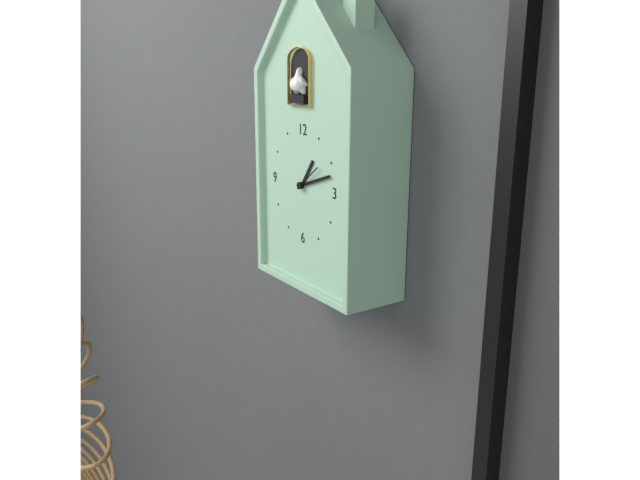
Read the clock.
1:12
